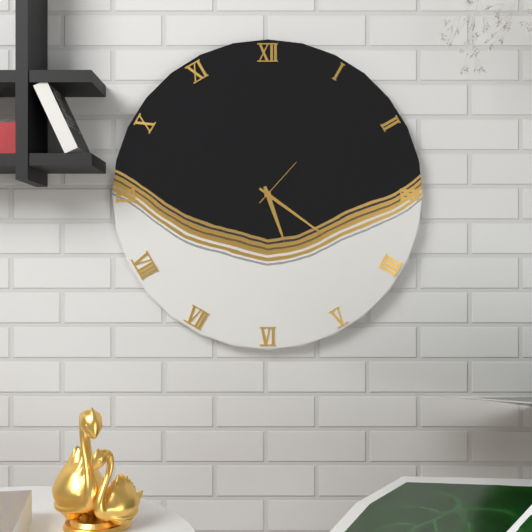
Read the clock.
5:21:07
